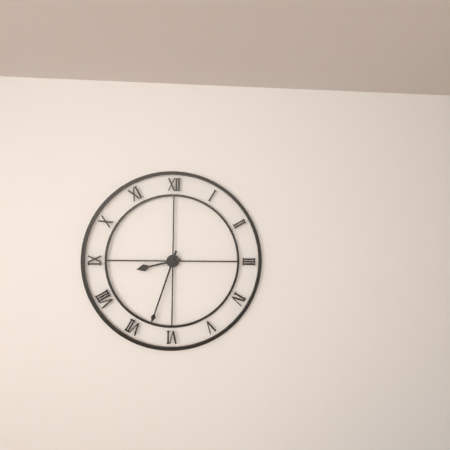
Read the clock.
8:33
